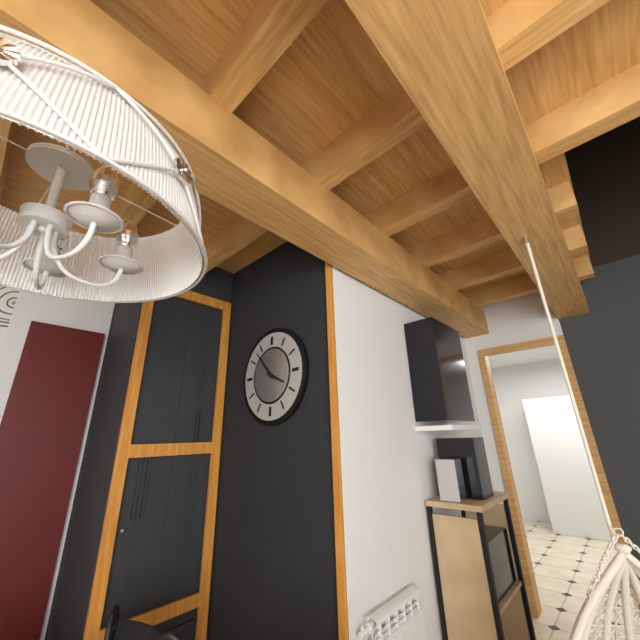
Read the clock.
3:53
